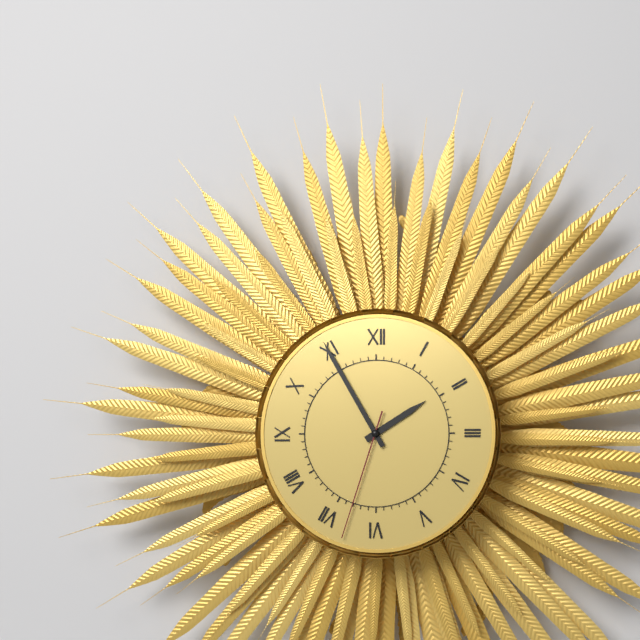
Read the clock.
1:55:33
